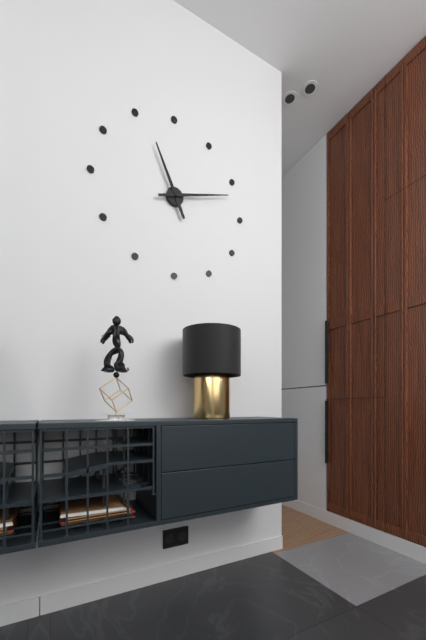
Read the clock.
11:12
